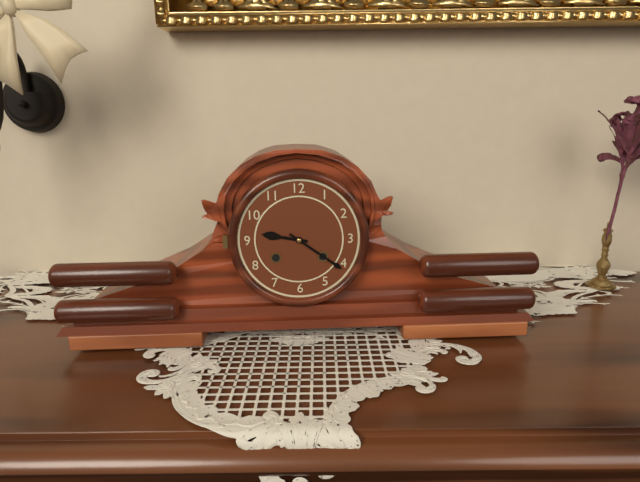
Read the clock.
9:21
